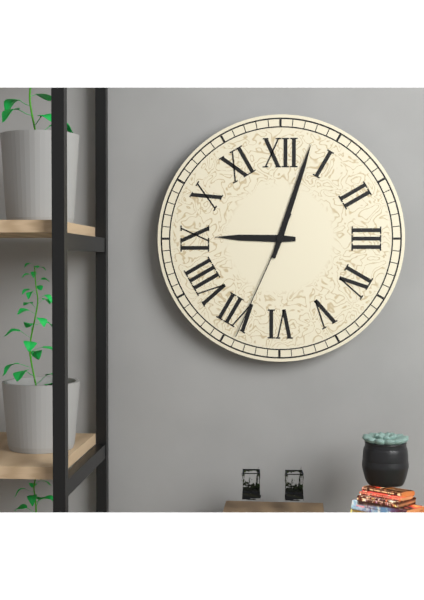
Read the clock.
9:03:34
